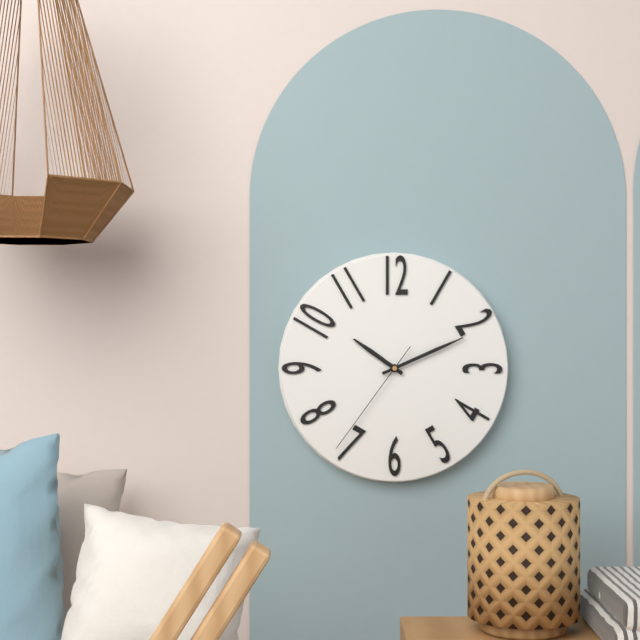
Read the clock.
10:11:36
